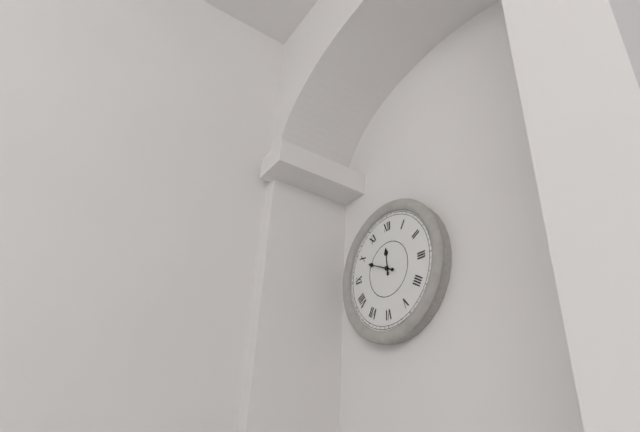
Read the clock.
11:49
